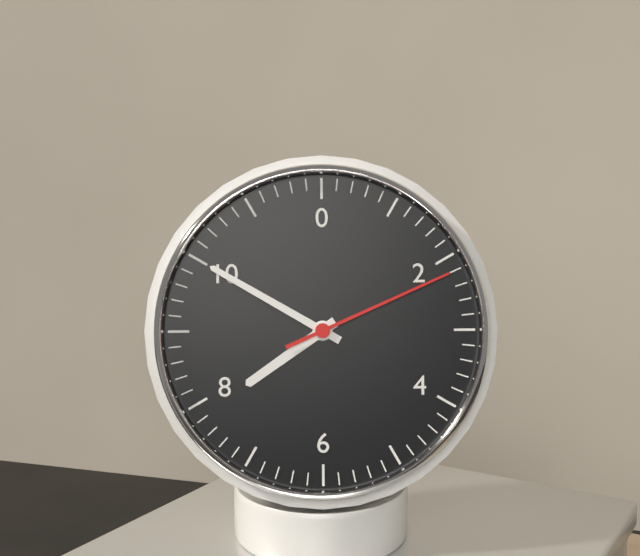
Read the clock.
7:50:11
